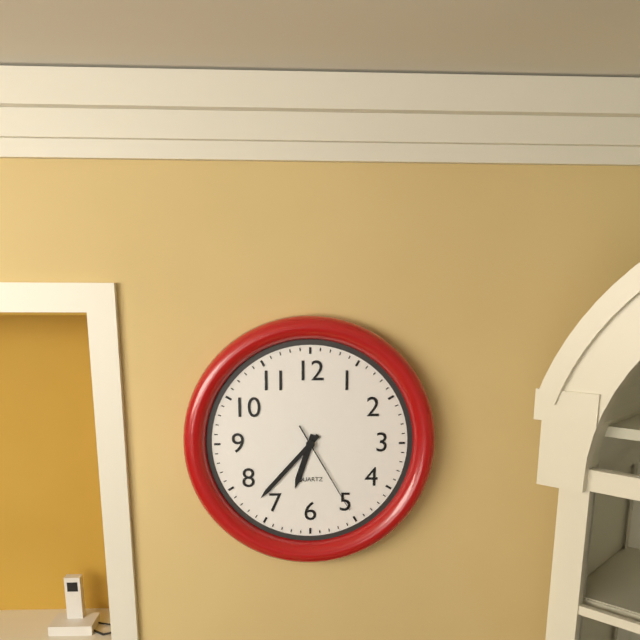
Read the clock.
6:37:25
